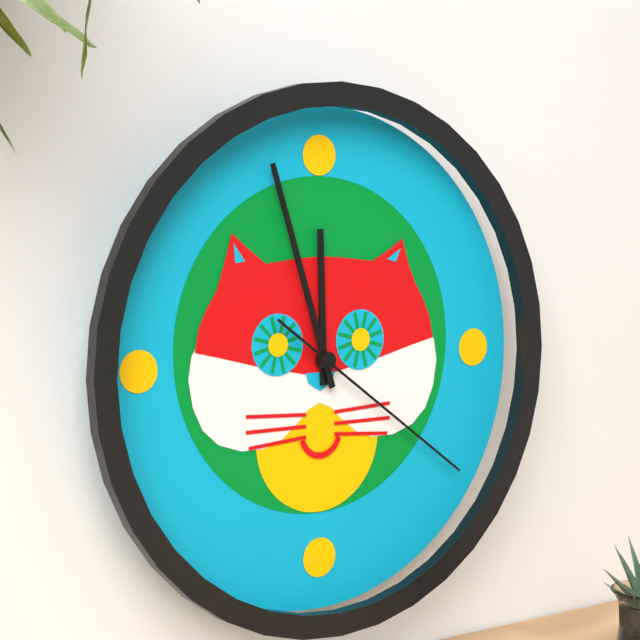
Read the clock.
11:57:21
